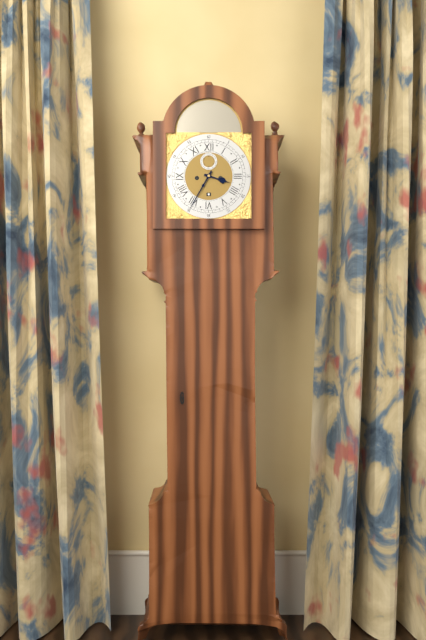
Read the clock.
3:35
